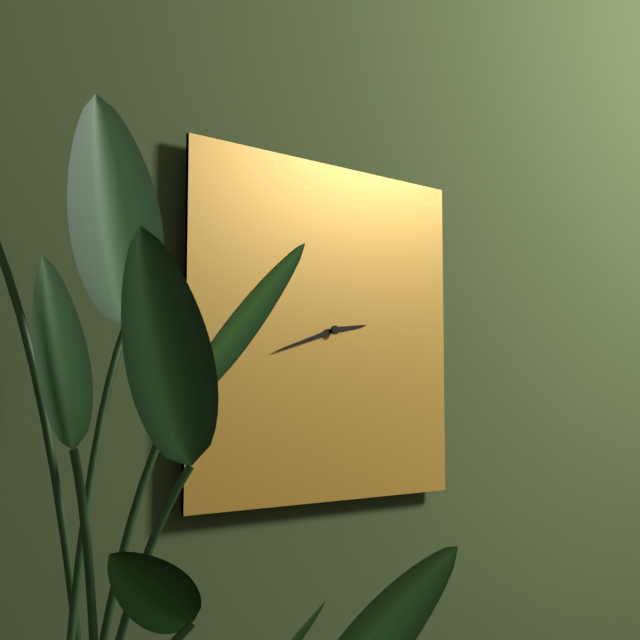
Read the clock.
2:42
